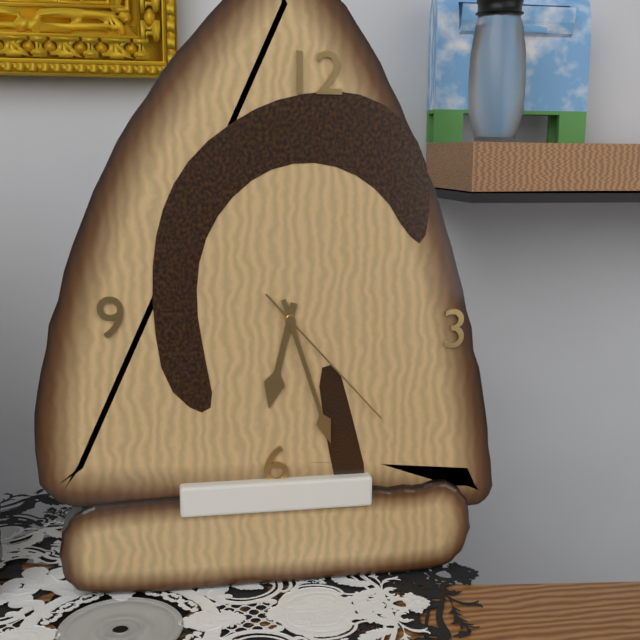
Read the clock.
6:27:23
